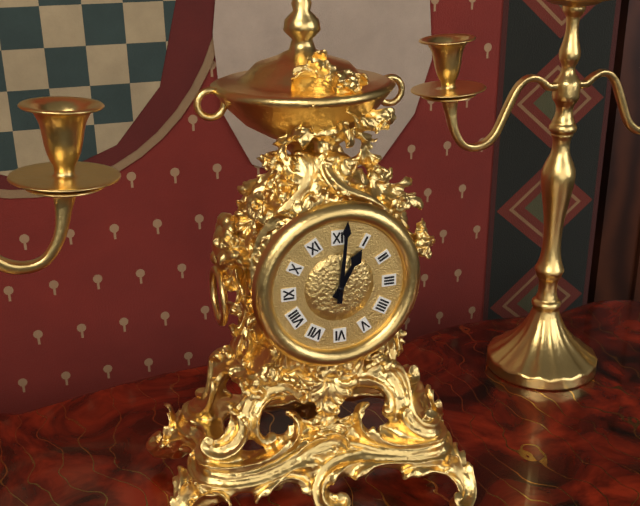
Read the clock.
1:01
